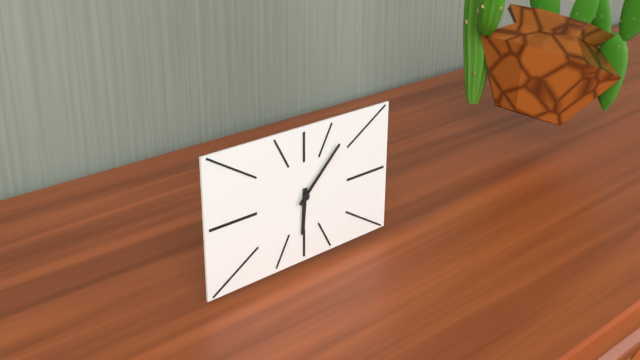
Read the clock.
6:08
